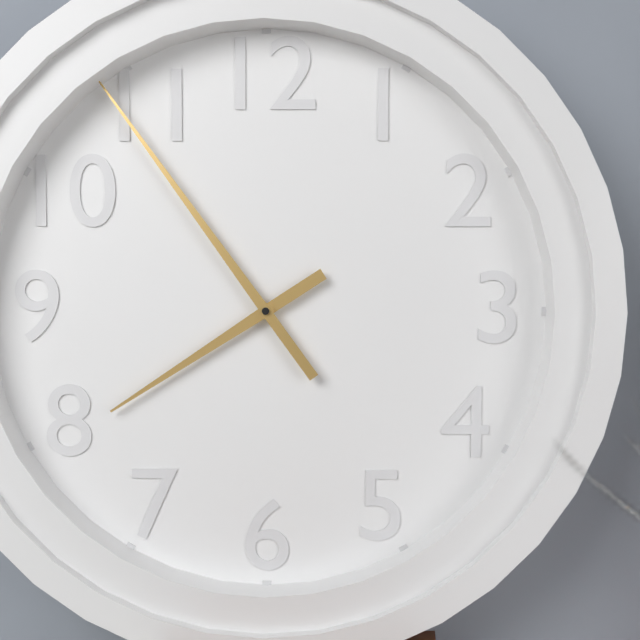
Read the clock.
7:54
